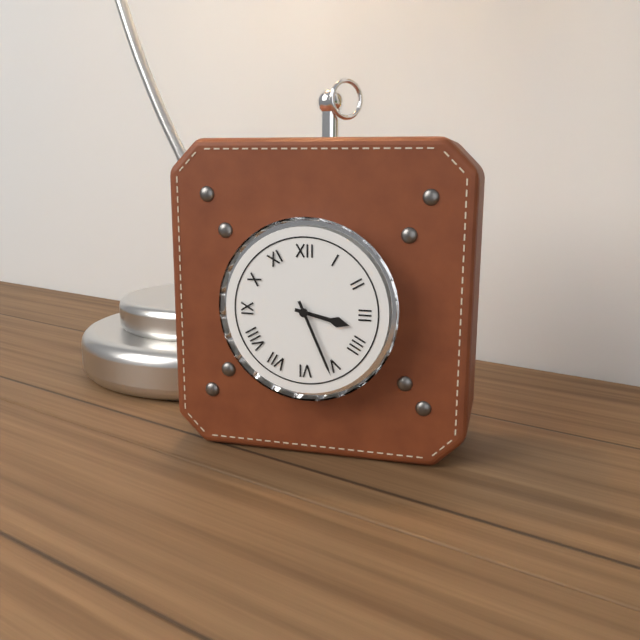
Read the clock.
3:26
